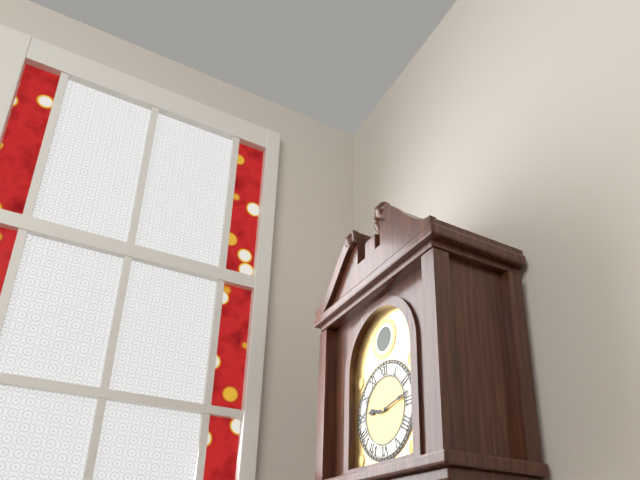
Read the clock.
9:13
